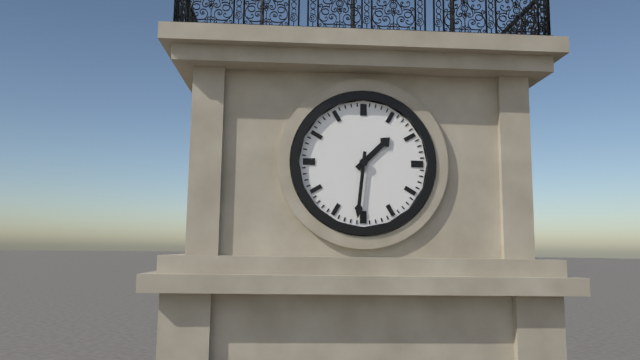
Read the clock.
1:31
